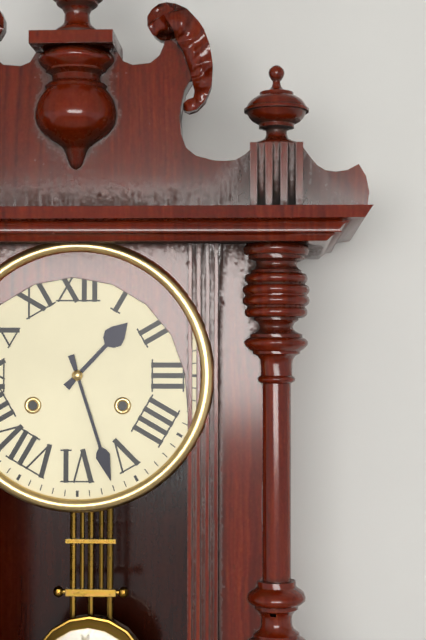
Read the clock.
1:27
